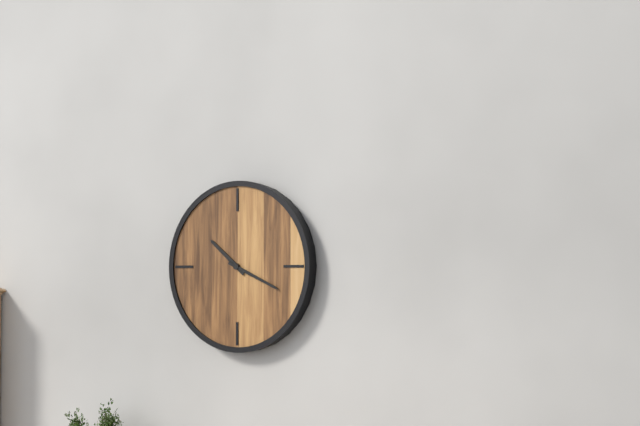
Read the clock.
10:19
